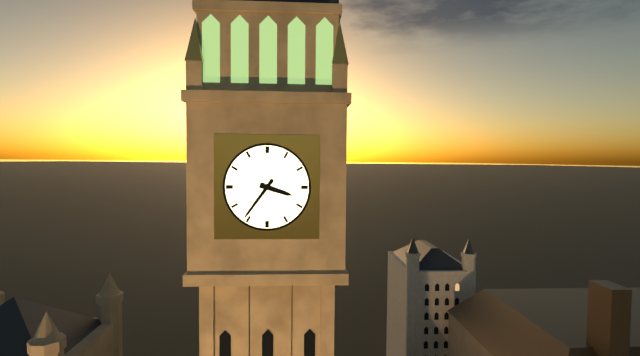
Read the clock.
3:36
